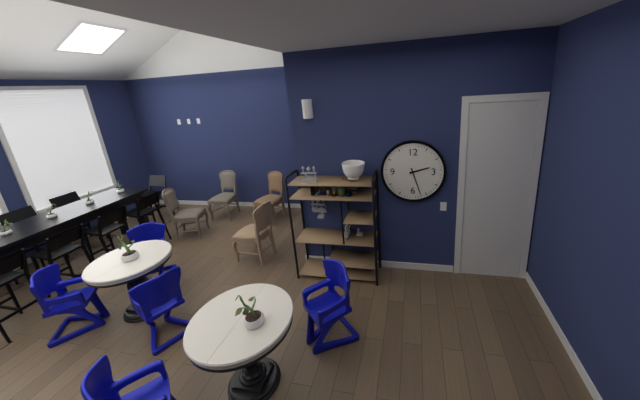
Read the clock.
2:27
